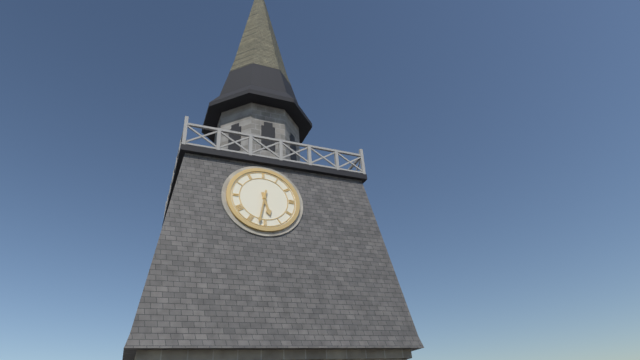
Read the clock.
5:32
